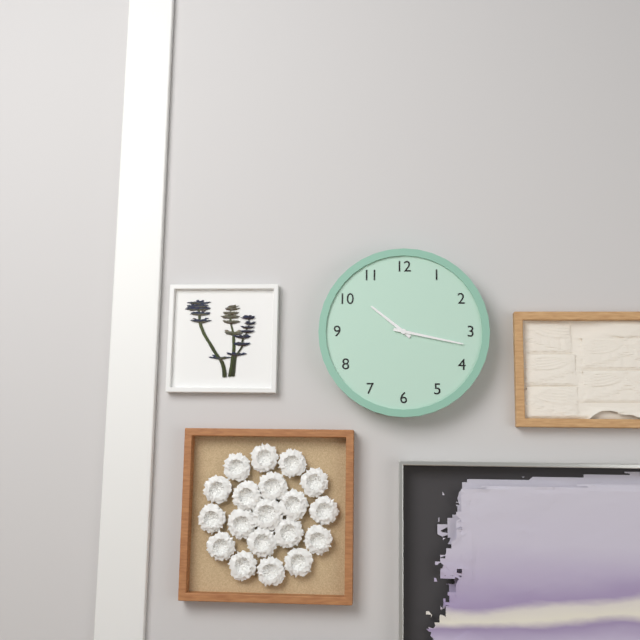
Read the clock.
10:17
